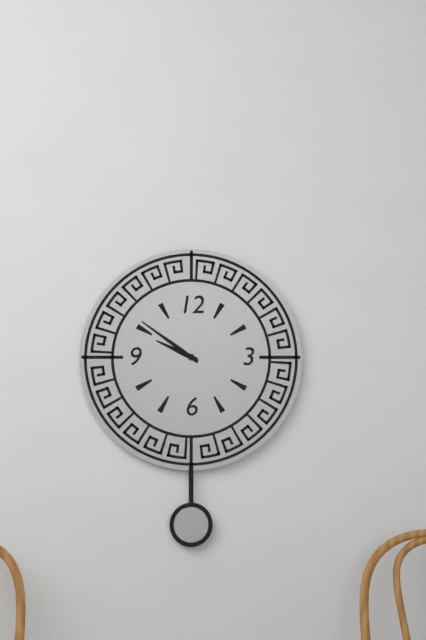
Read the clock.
9:51
